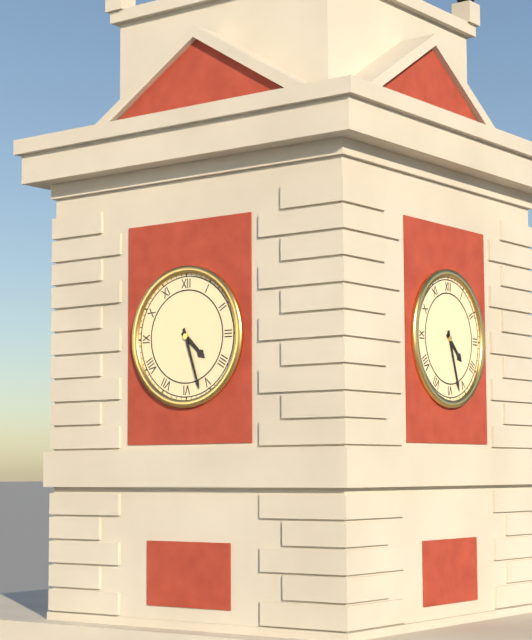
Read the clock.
4:27
